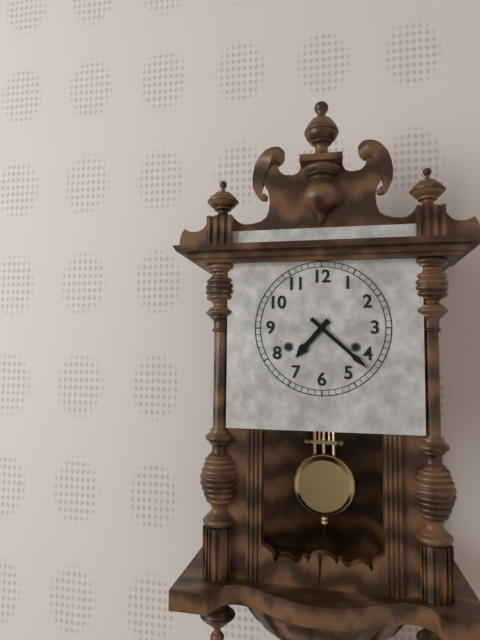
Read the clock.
7:22
